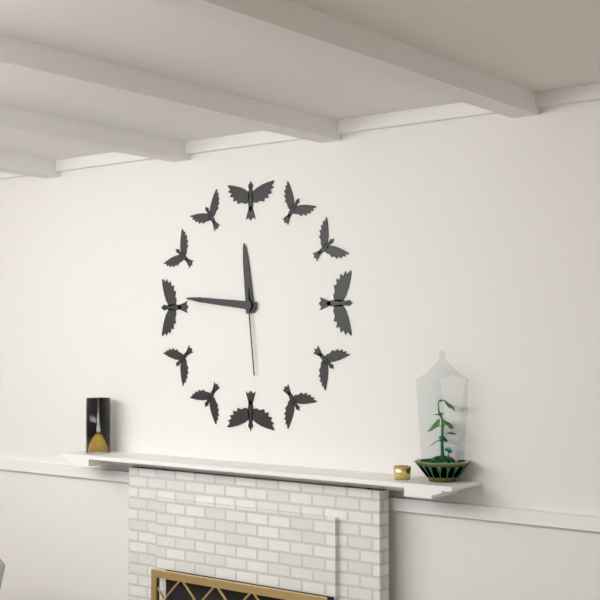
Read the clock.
11:46:29
